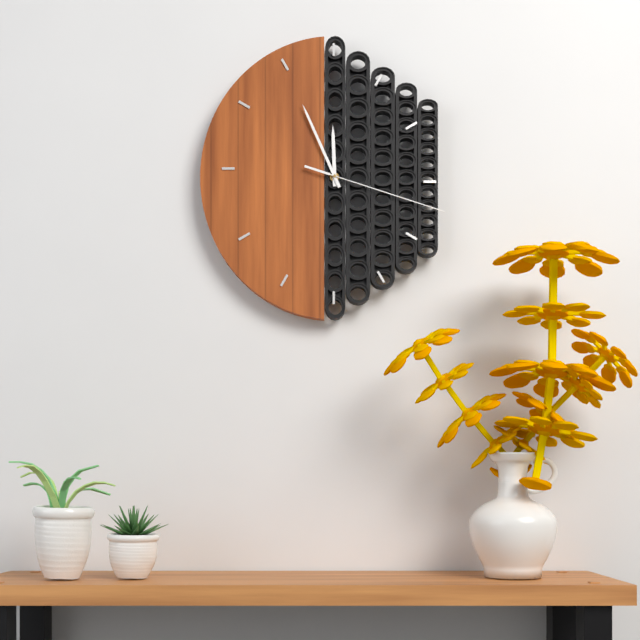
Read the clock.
11:56:18
